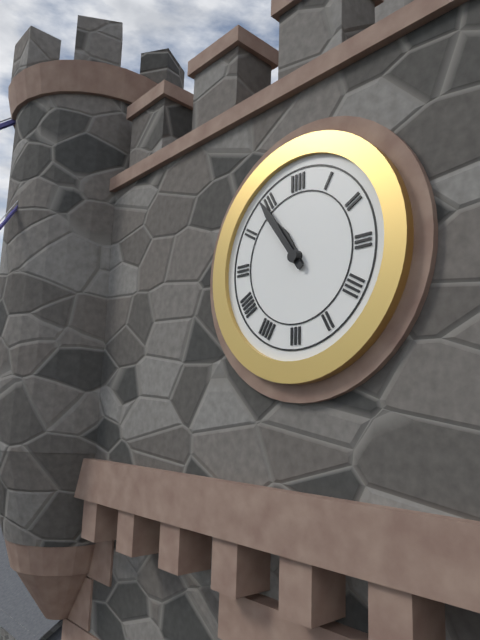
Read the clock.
10:54
